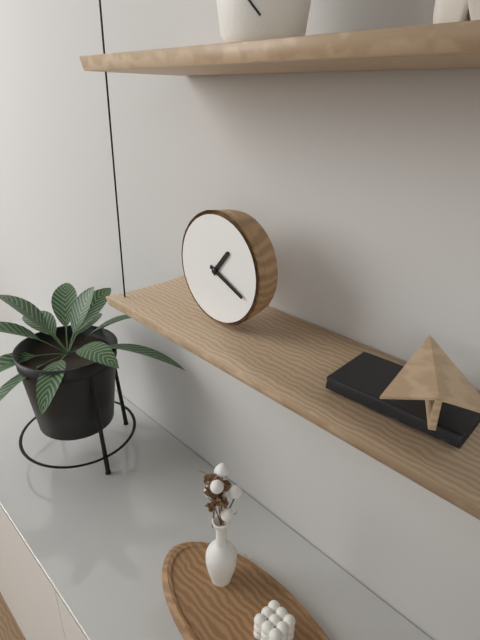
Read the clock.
1:19
